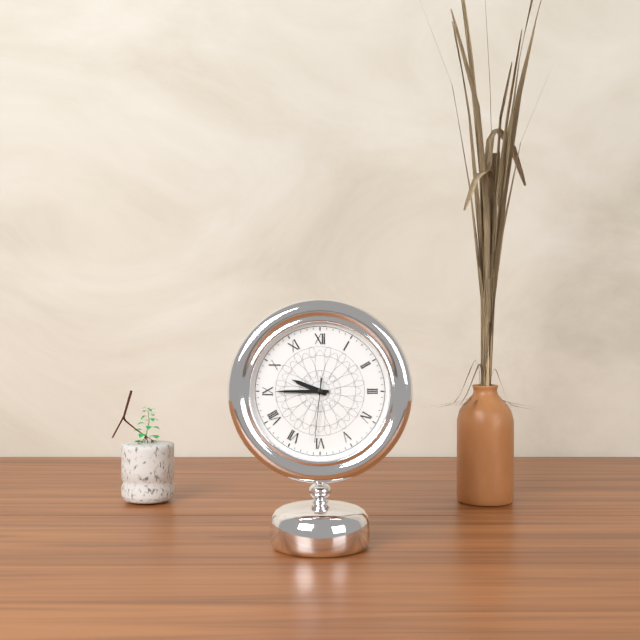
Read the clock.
9:45:31
